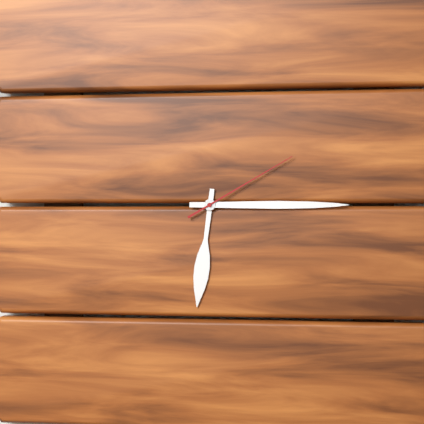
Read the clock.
6:15:10
